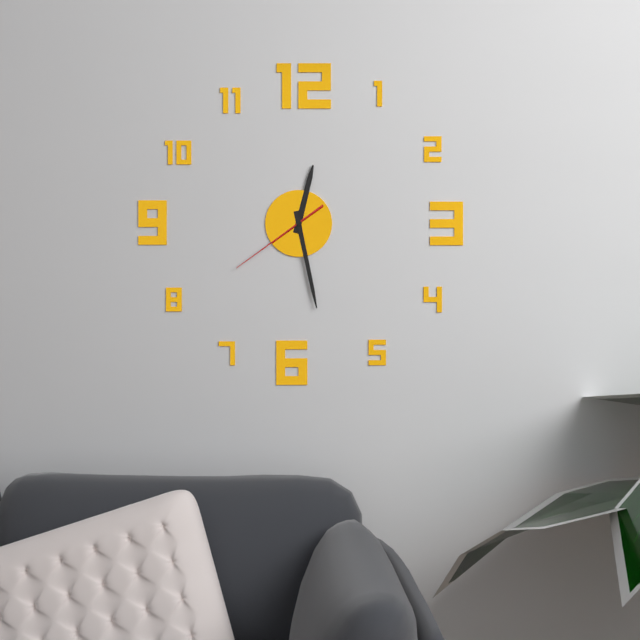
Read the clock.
12:28:39
